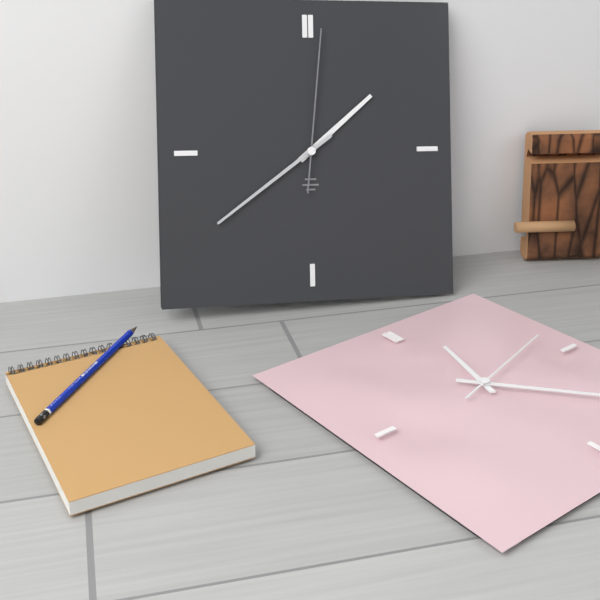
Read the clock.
1:39:01
